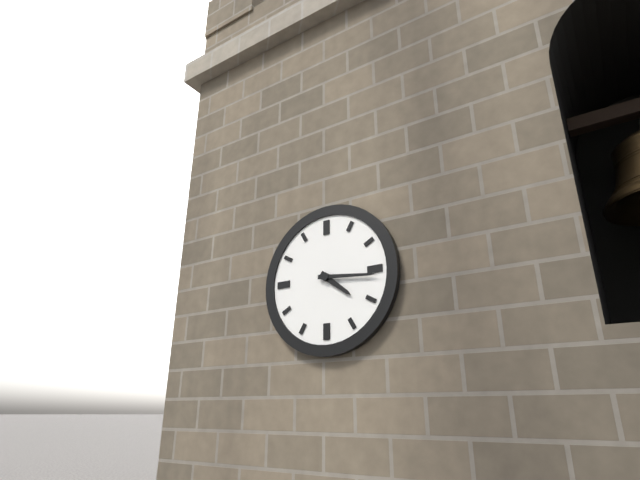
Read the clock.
4:16
